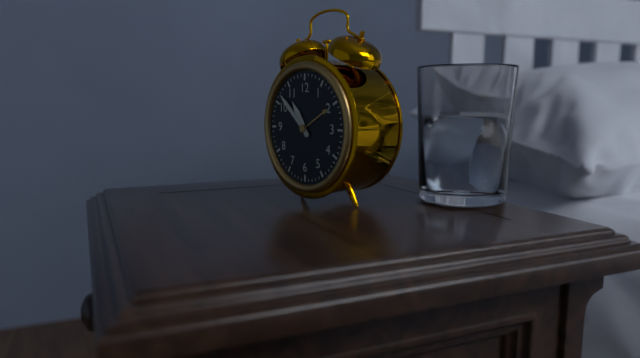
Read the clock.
10:52
